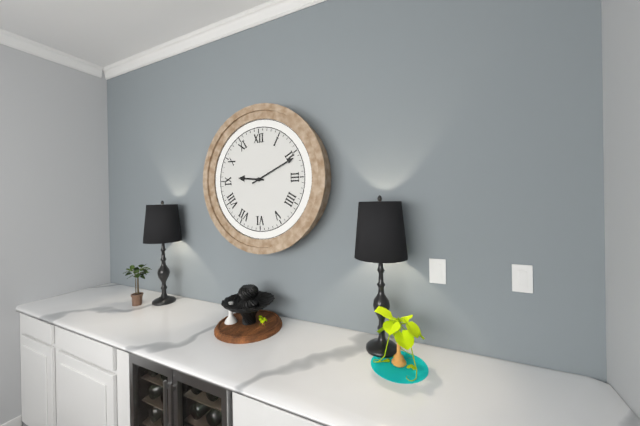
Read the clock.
9:11
